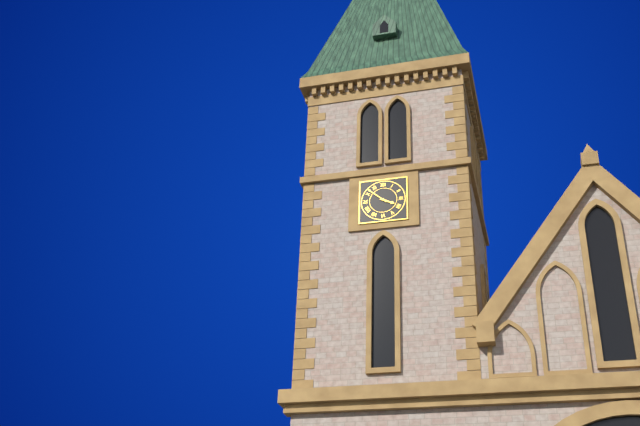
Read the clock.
3:52
